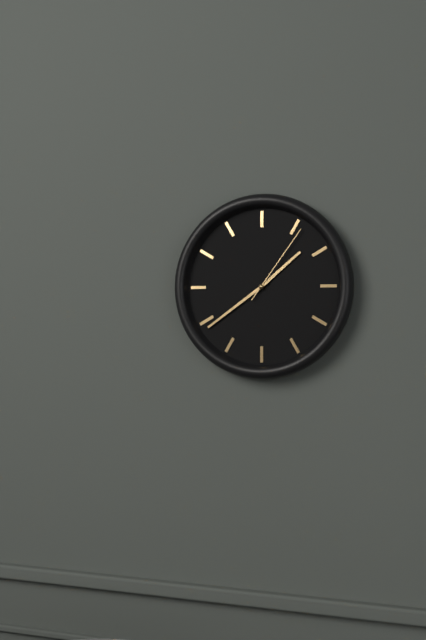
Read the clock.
1:39:06
